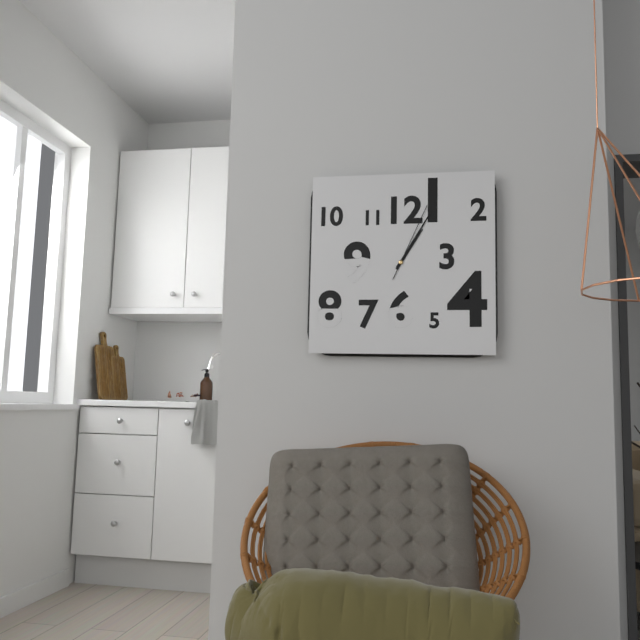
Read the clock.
1:05:04
